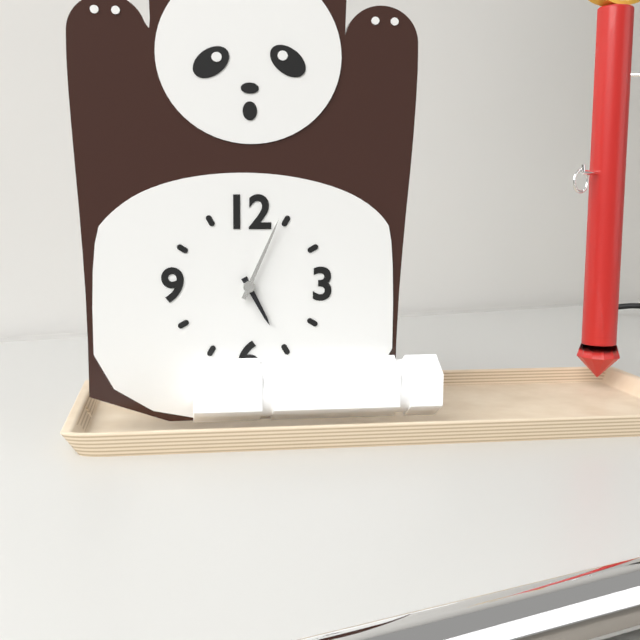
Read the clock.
5:04
